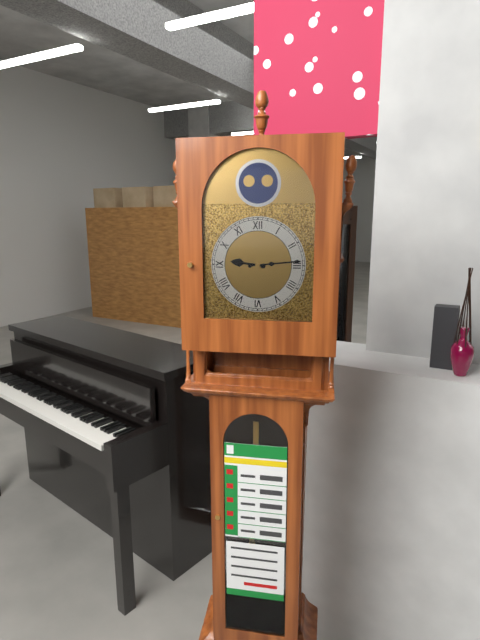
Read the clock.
9:14
